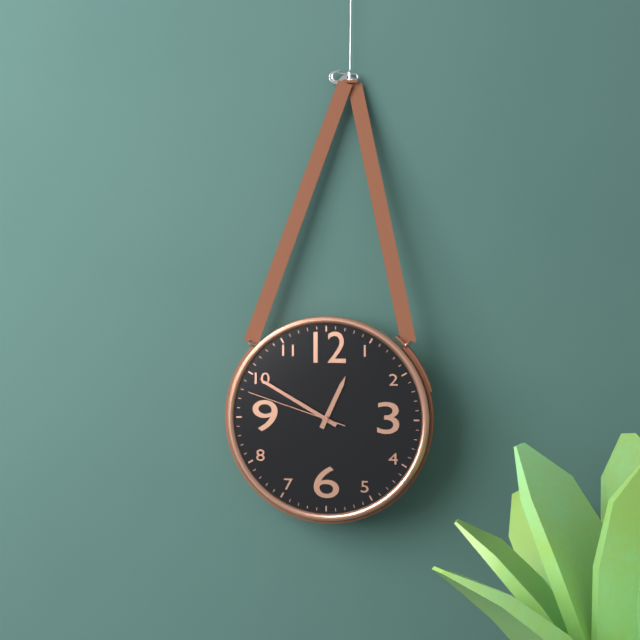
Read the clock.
12:50:48
